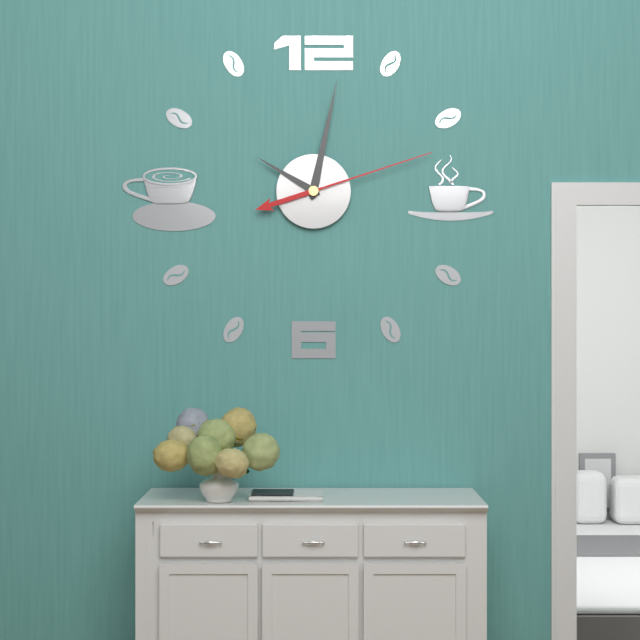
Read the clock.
10:02:12
